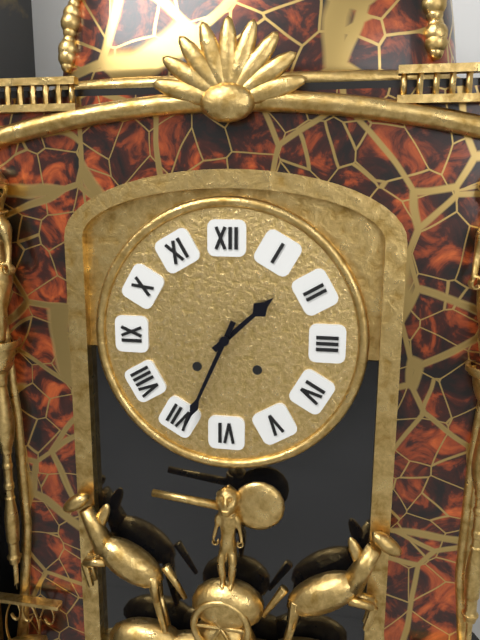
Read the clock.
1:34
